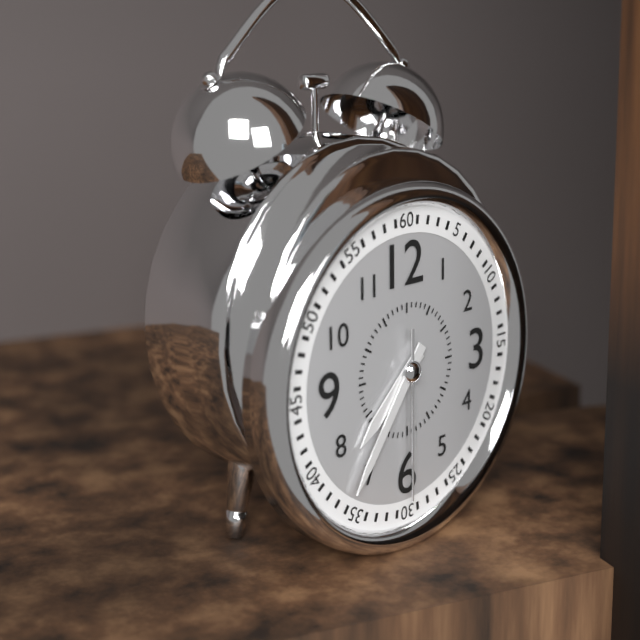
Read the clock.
7:36:30
